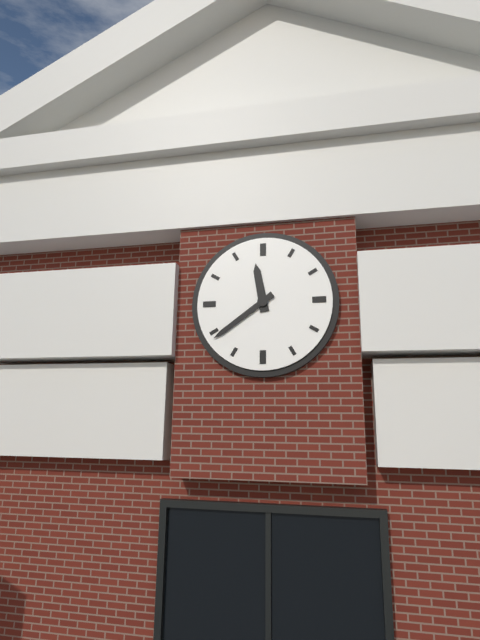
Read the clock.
11:39
